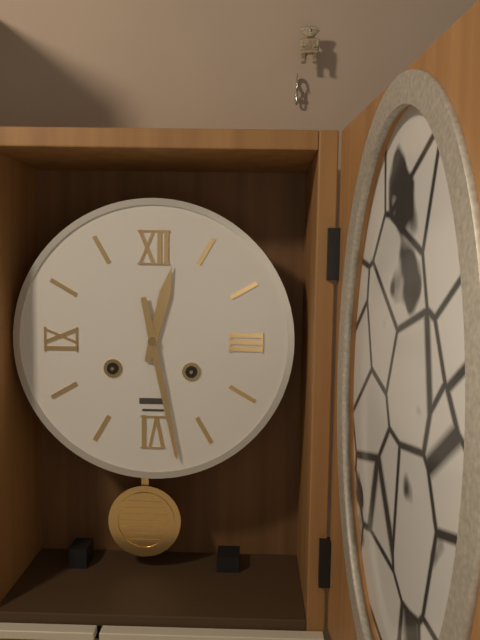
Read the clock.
12:28
